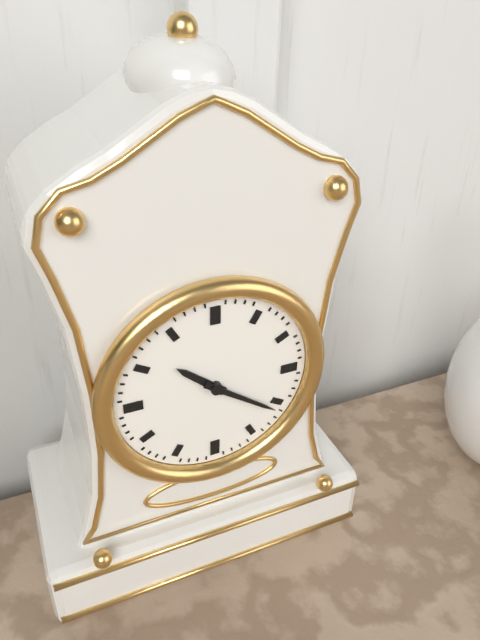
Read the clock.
10:21
